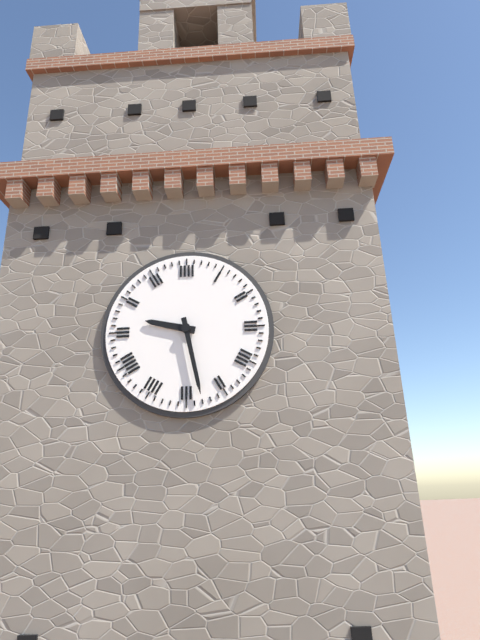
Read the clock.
9:28
